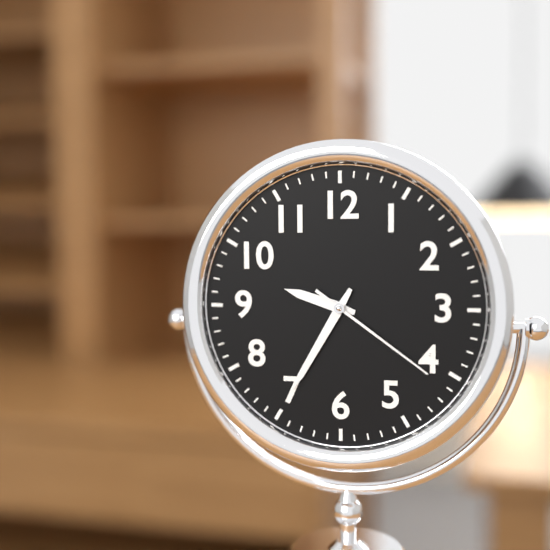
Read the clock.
9:35:21
